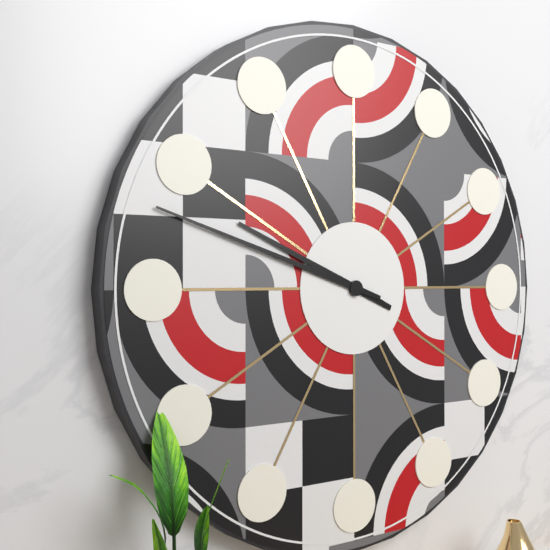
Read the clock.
9:48
